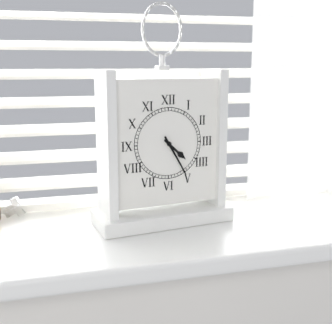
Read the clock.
4:25
